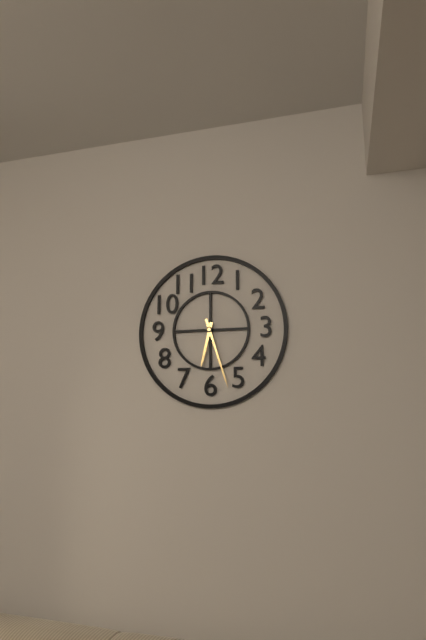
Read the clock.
6:27
